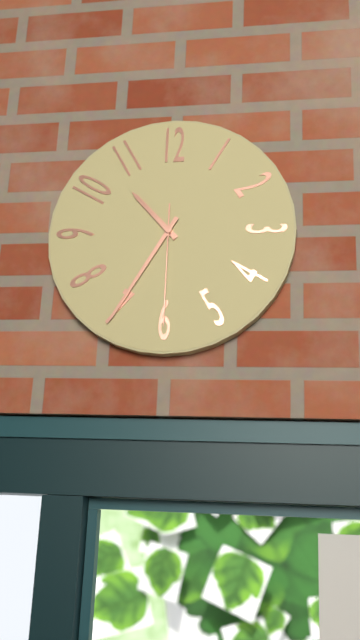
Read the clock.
10:35:30
